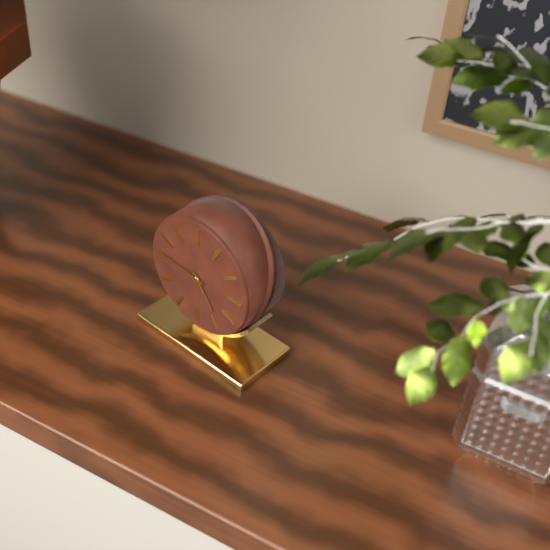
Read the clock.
4:46
